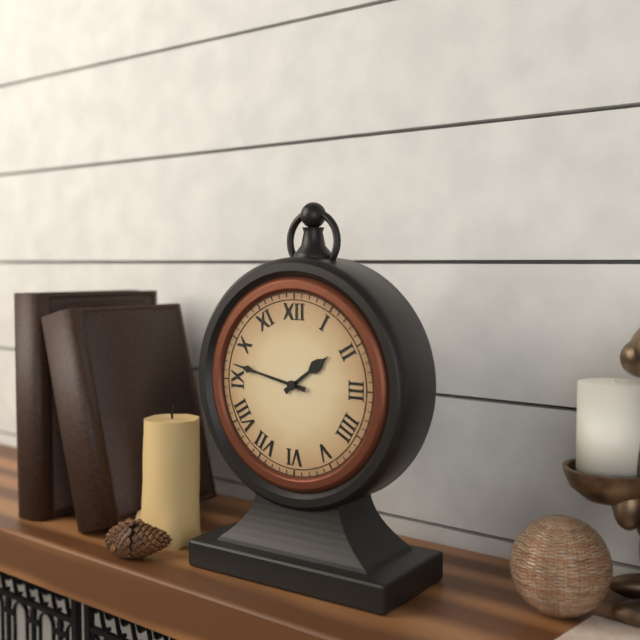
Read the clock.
1:47
